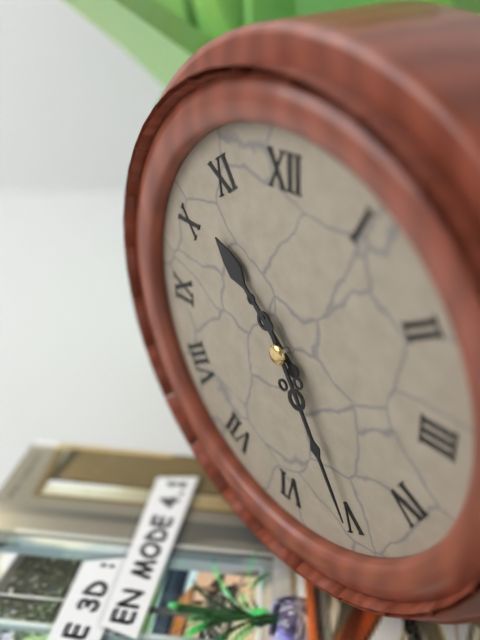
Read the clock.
10:25
